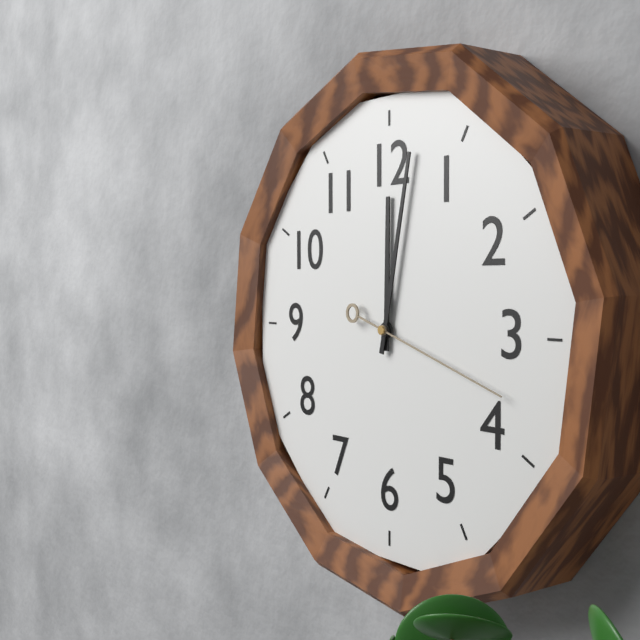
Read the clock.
12:02:18
